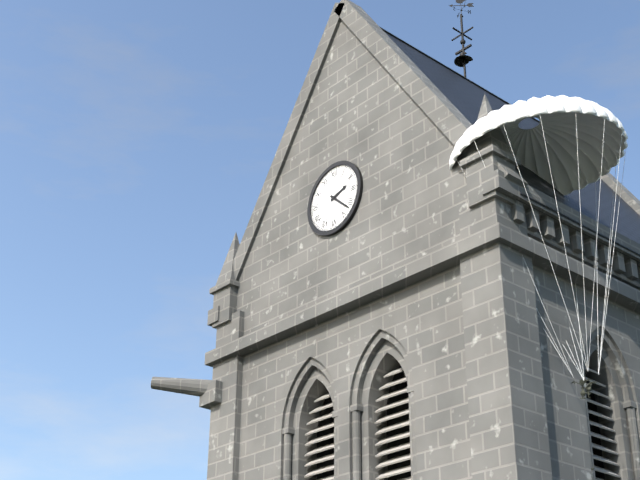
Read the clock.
2:22
